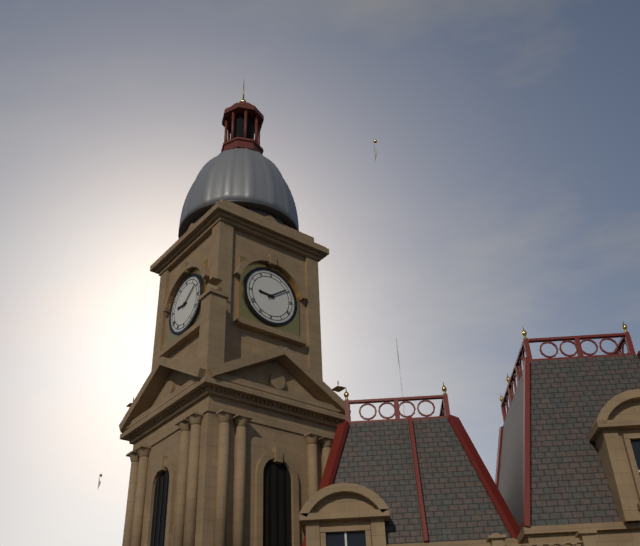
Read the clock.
9:09
